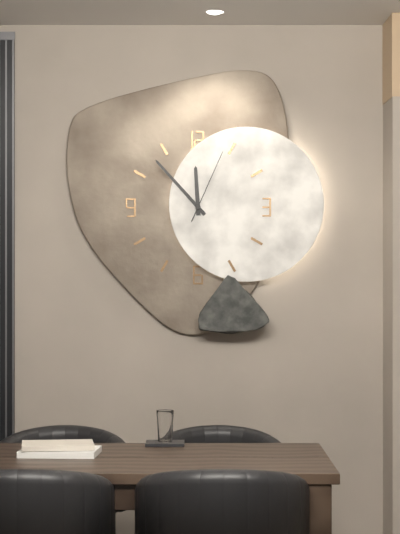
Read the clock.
11:53:04
